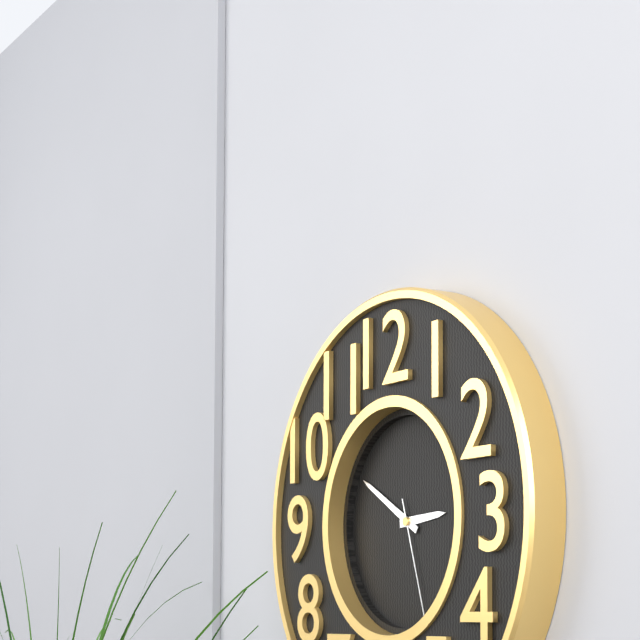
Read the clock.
2:50:27
